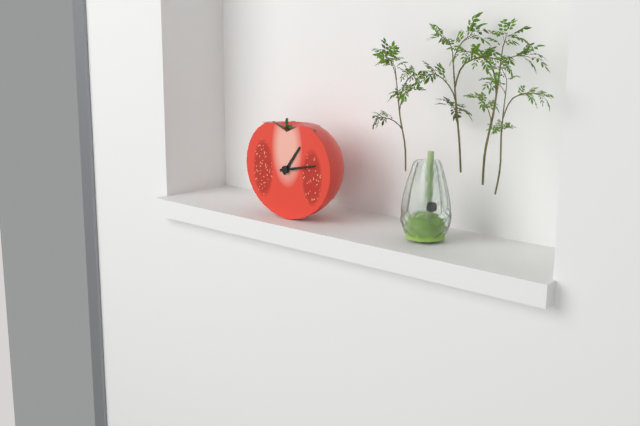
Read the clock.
1:13
